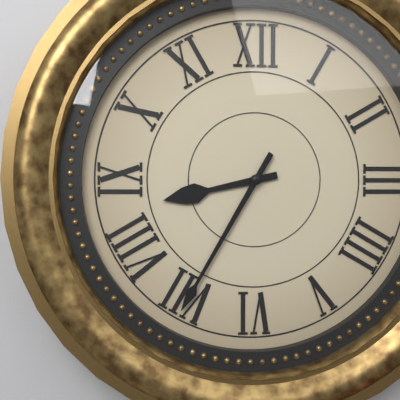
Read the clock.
8:35
